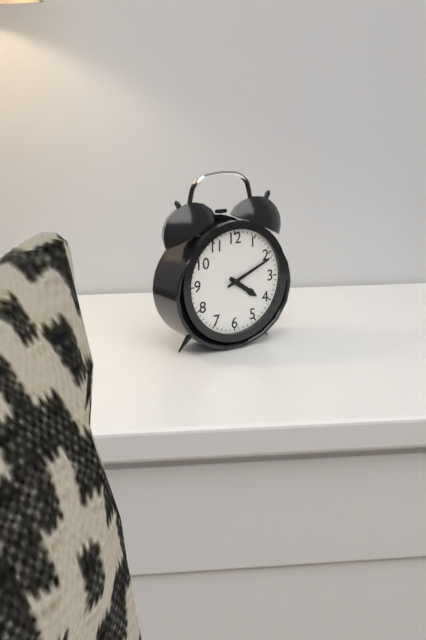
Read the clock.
4:11
